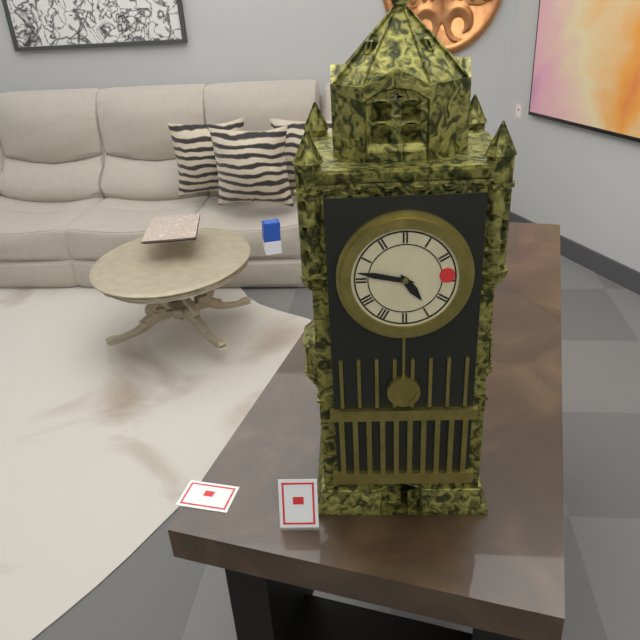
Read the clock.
4:47
